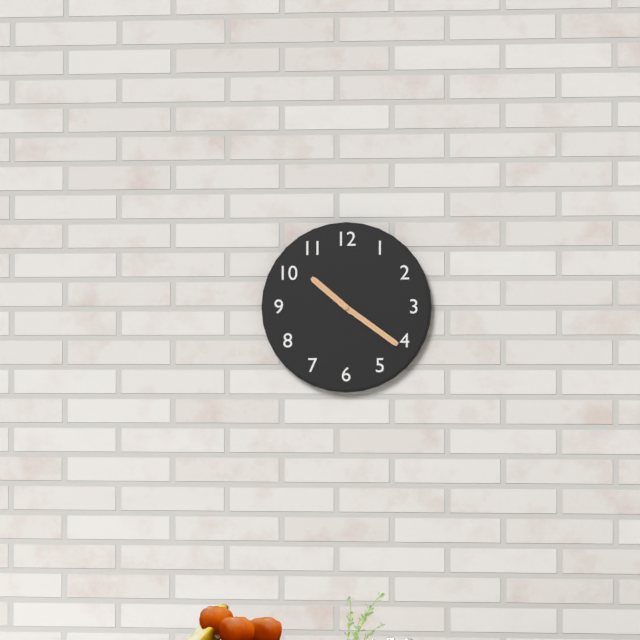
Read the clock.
10:21
